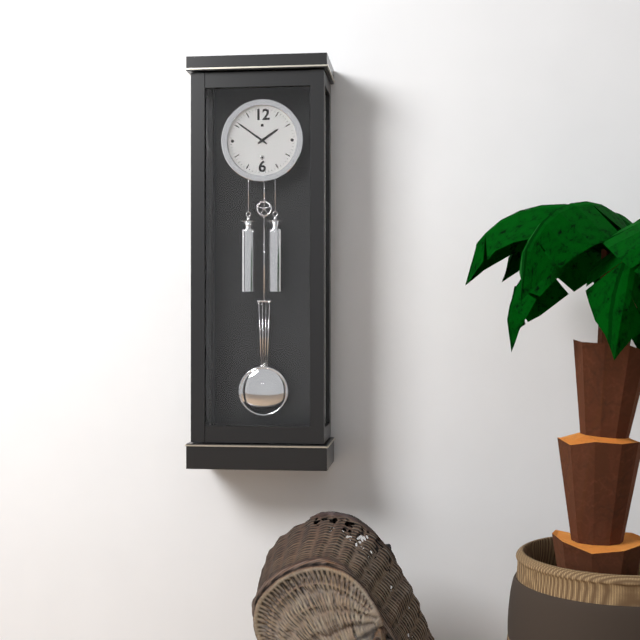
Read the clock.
1:51
